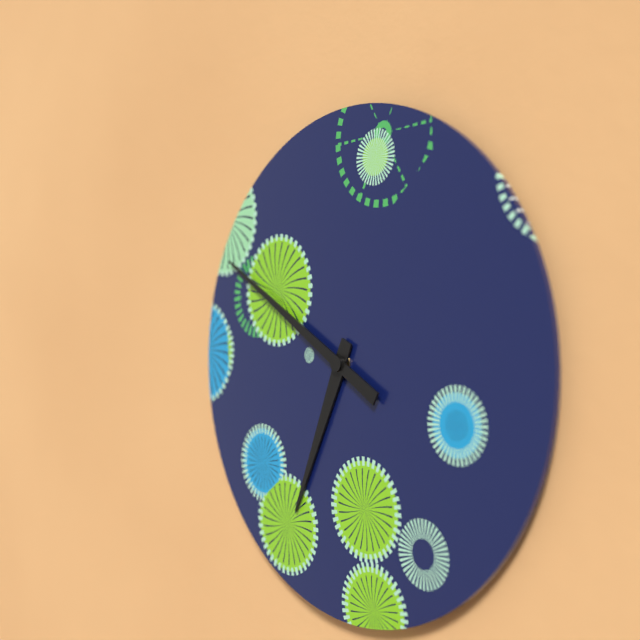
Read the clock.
6:50
